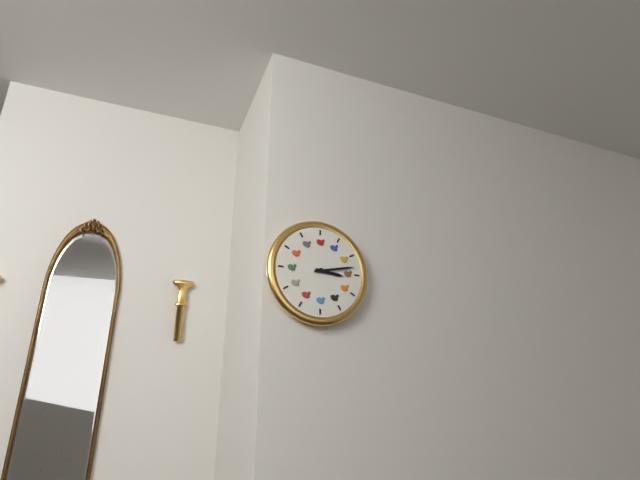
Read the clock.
3:13
